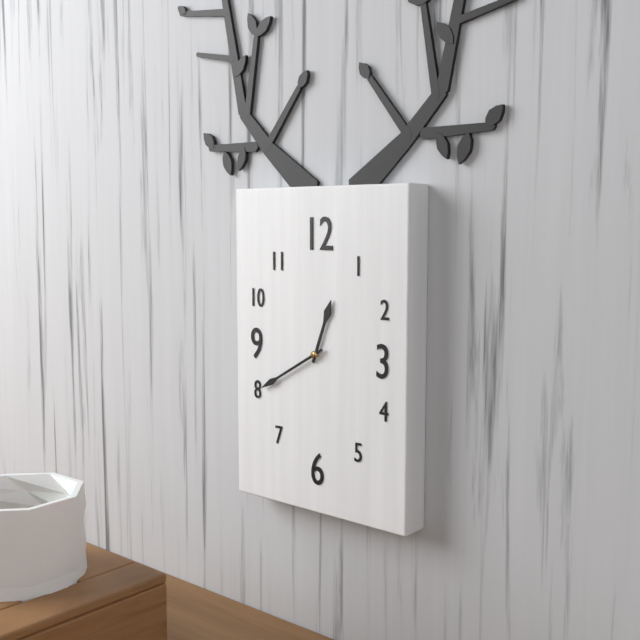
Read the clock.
12:40
